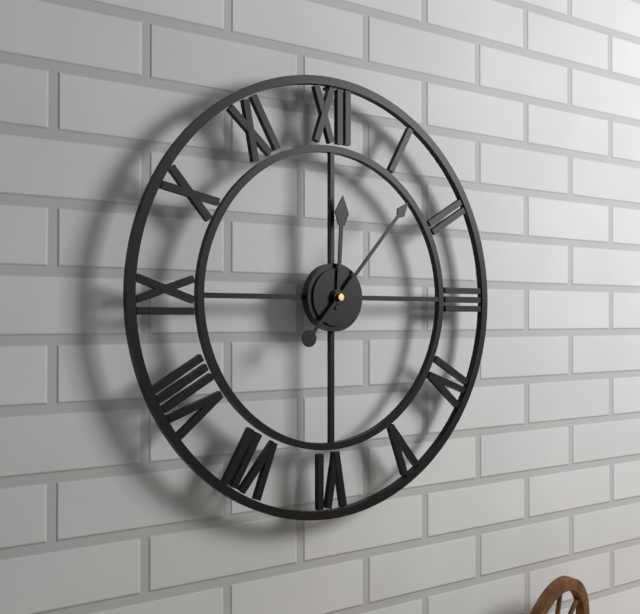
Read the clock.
12:07
